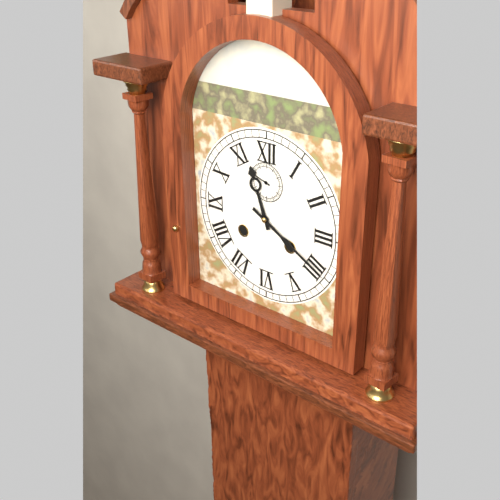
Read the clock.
11:20
